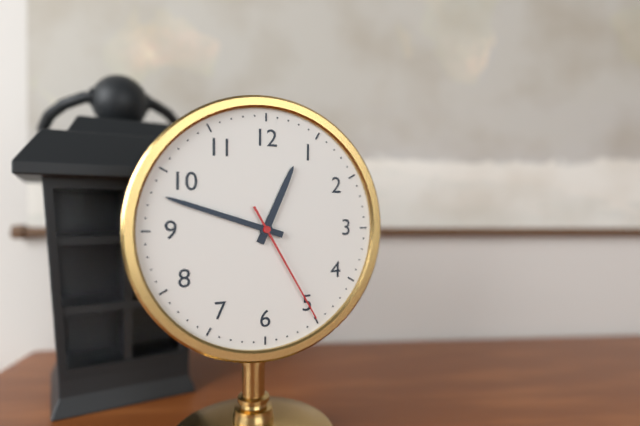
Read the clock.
12:48:25
